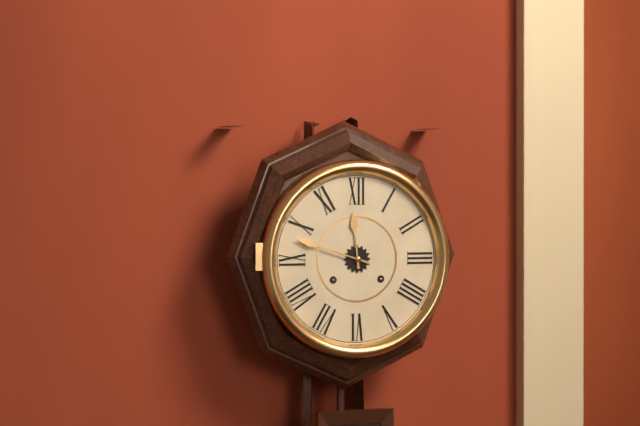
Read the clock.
11:48
